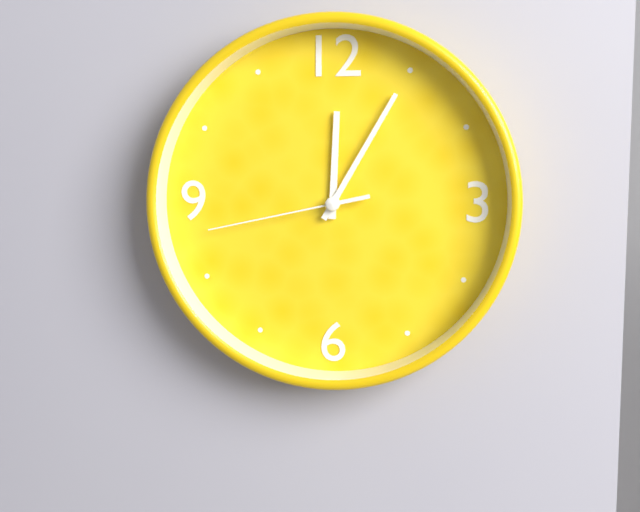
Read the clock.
12:05:43
